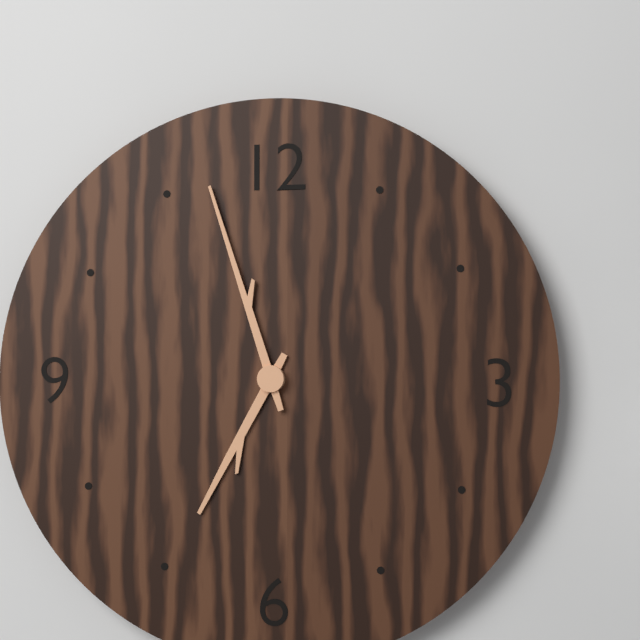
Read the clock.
6:57
